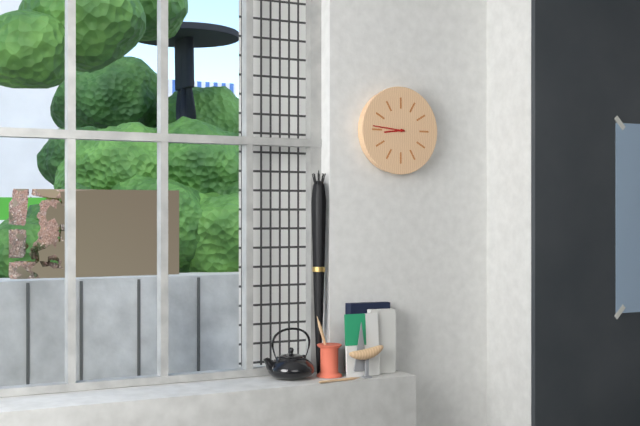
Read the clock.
8:46
